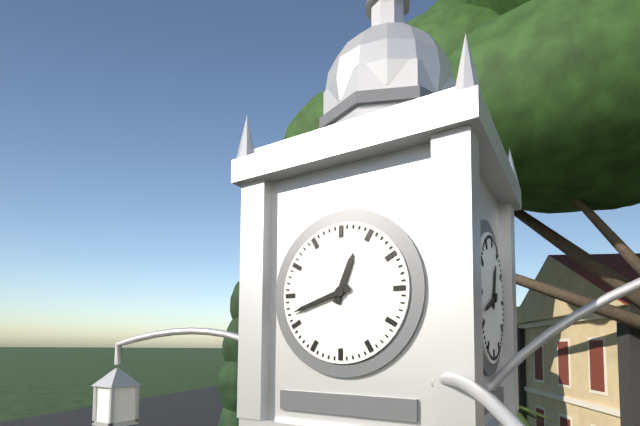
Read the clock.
12:42
